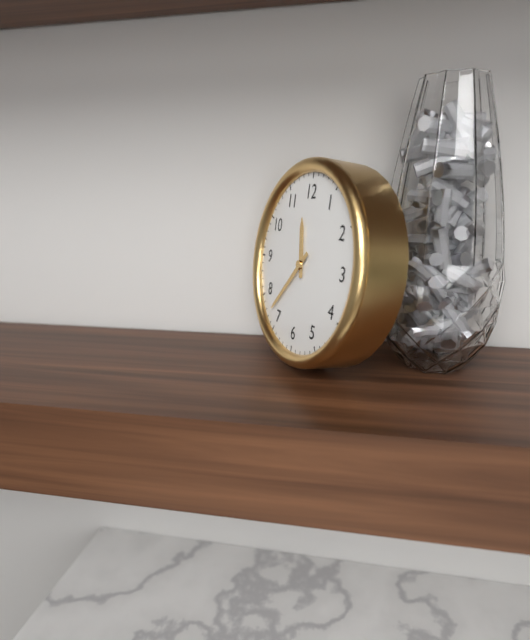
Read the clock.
11:37
